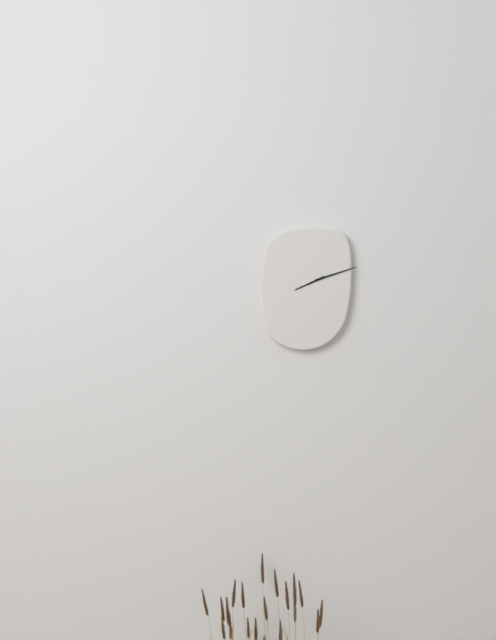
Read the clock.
8:12
